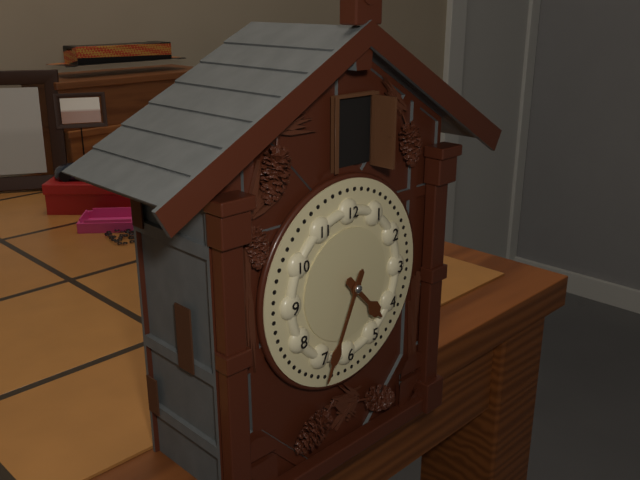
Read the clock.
4:34
